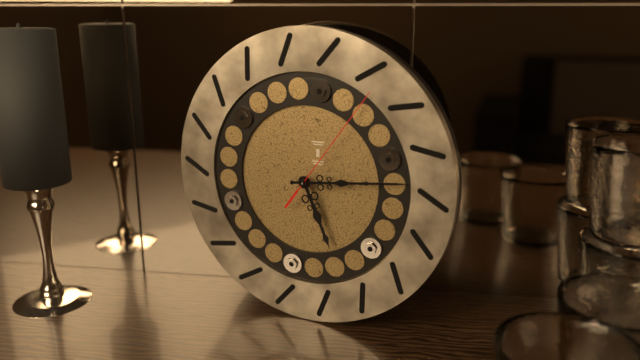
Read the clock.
5:14:06
